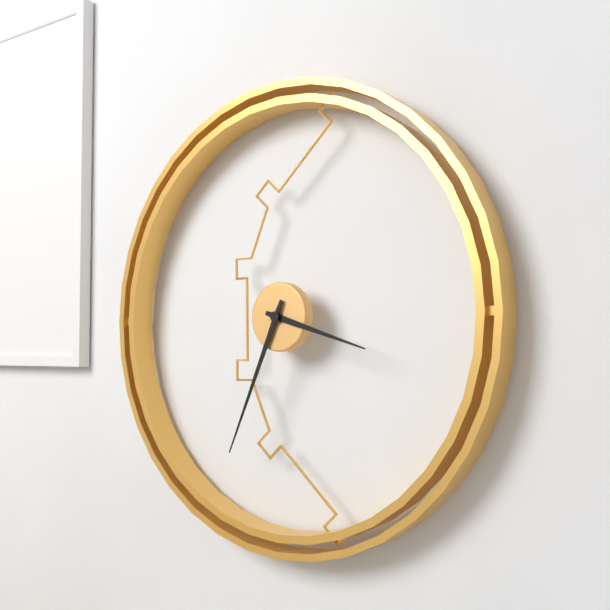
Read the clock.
3:34
